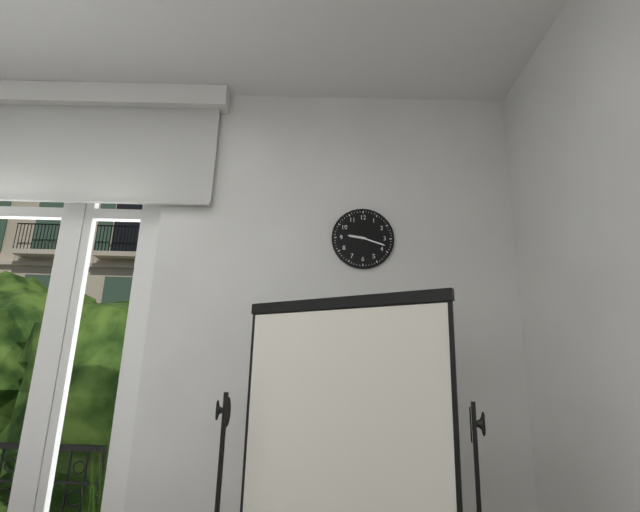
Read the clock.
9:18
